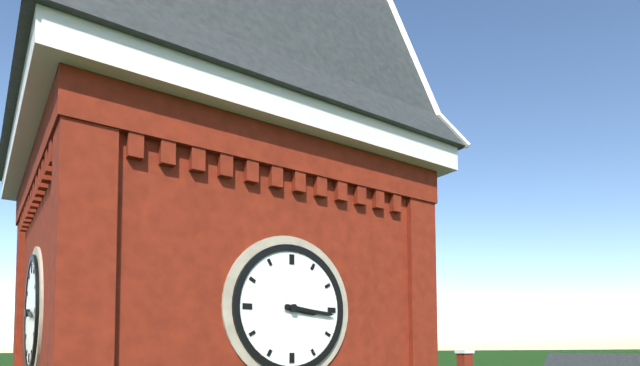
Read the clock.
3:16
